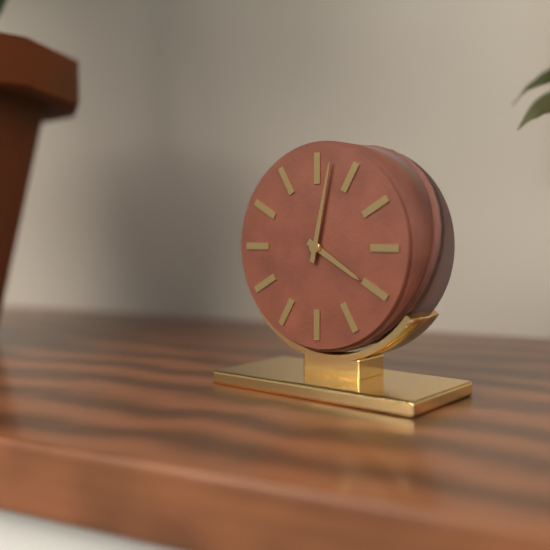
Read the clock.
4:02
